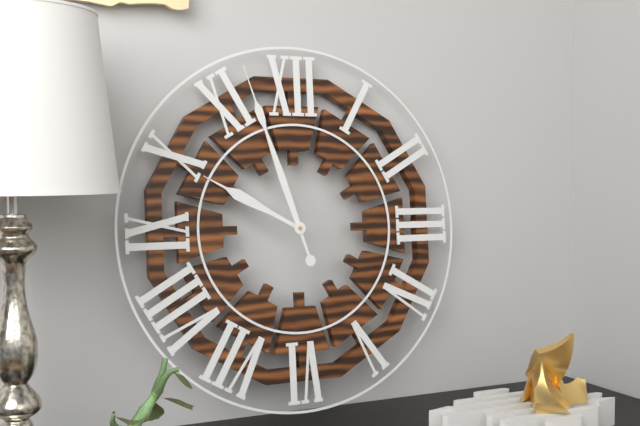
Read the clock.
9:57
